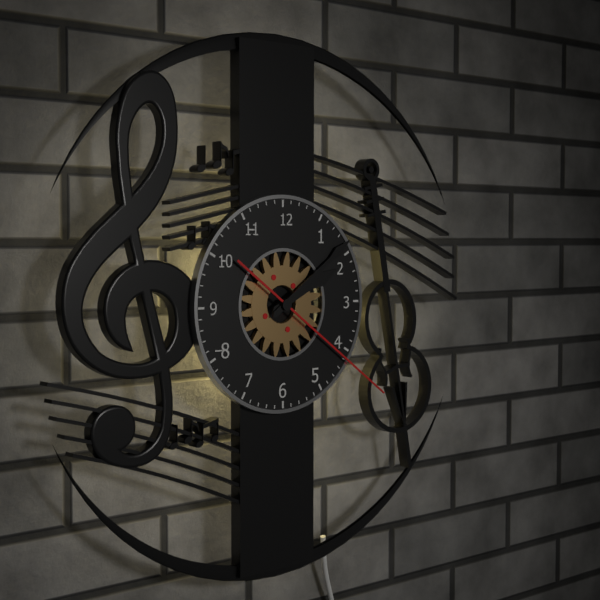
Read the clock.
2:09:21
